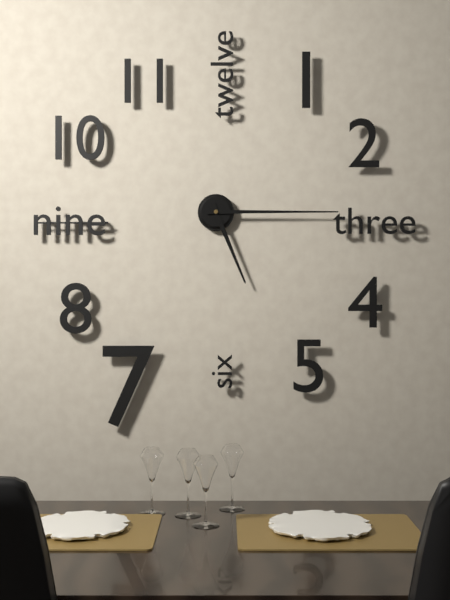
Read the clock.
5:15
